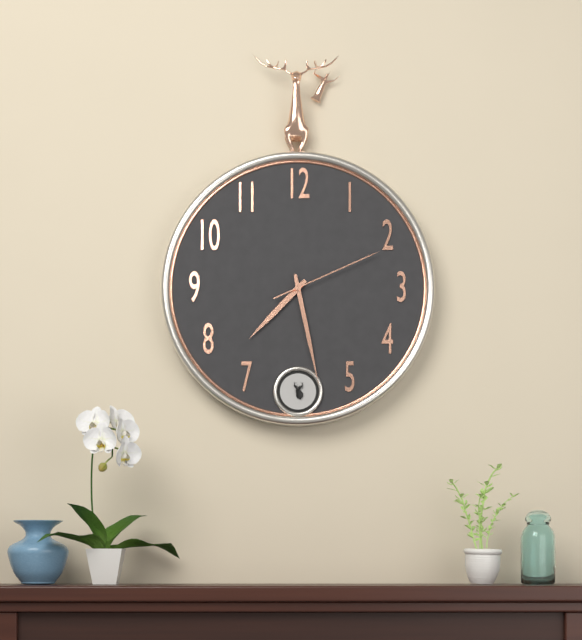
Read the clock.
7:28:11
